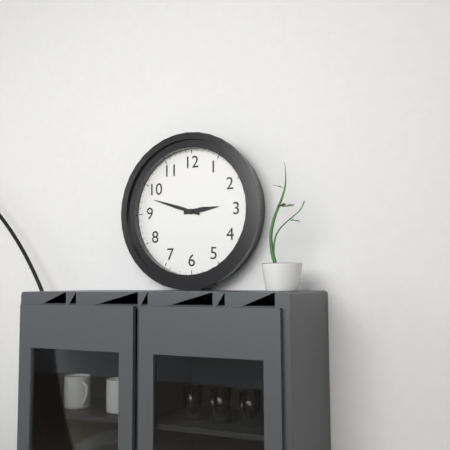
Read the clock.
2:48
